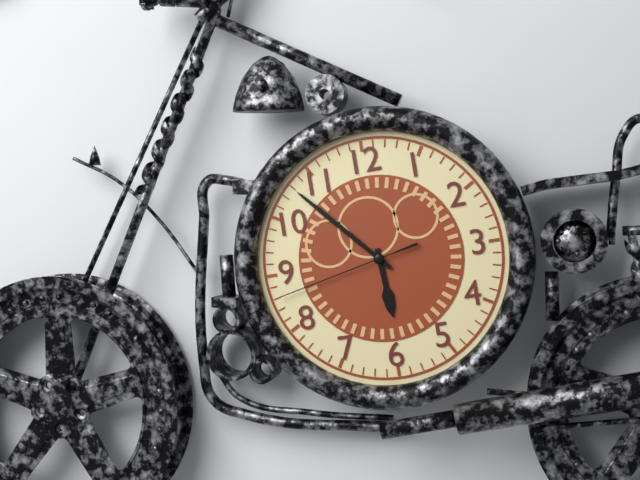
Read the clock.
5:53:43
